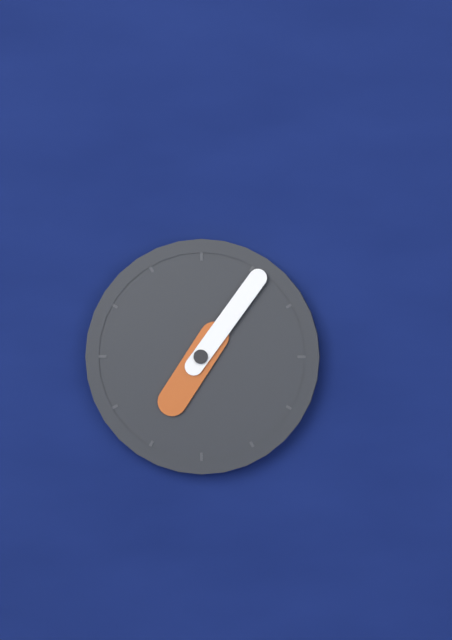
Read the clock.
7:06
